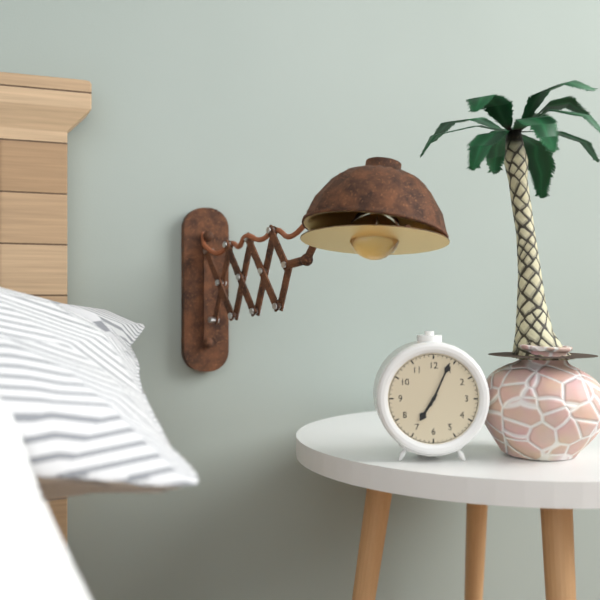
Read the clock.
7:04
